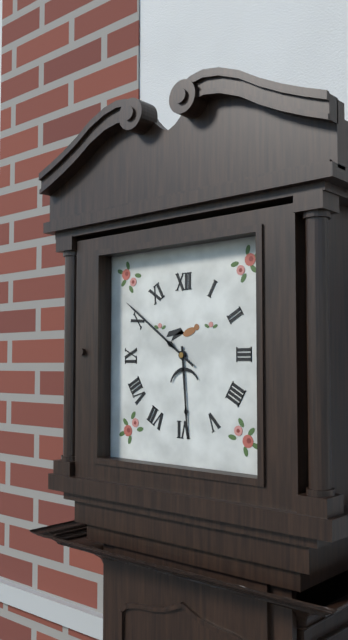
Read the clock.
5:51
